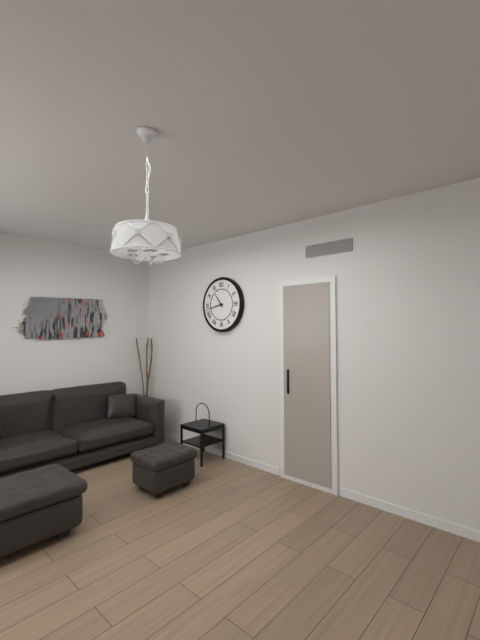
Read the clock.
10:43
